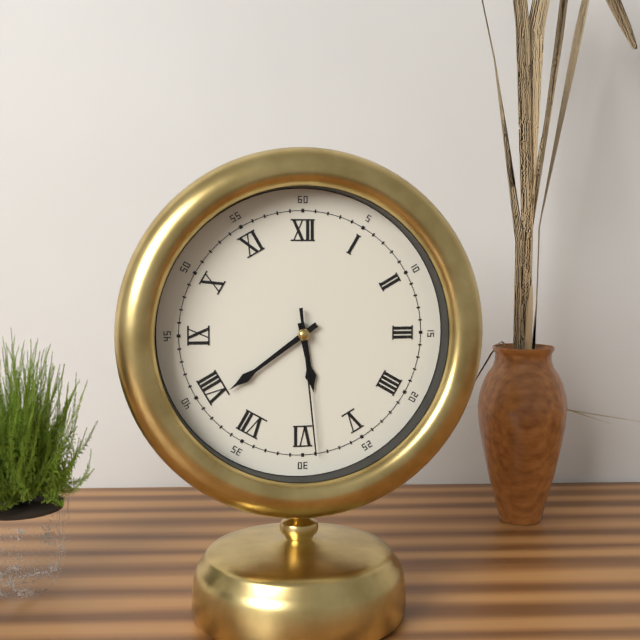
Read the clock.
5:39:29
